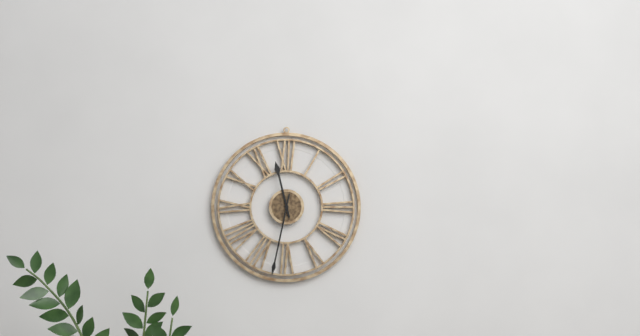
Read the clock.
11:32
